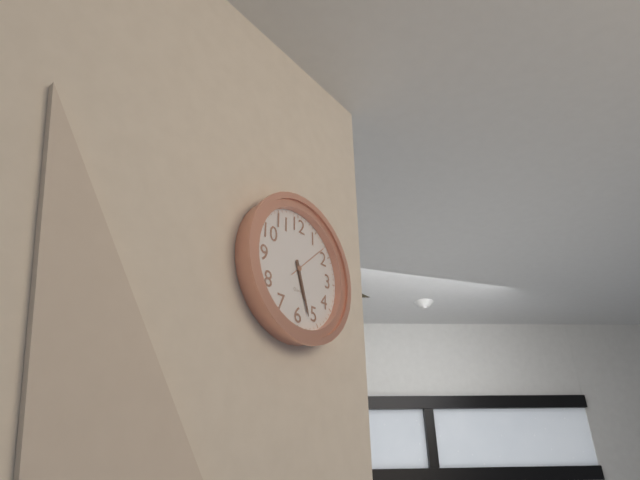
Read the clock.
5:27
